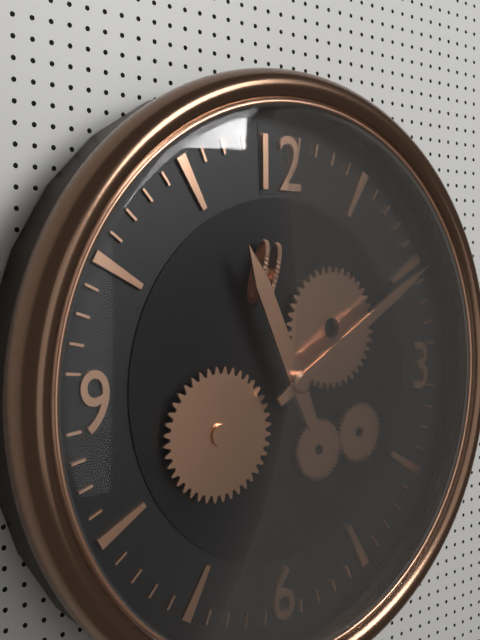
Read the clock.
11:10
